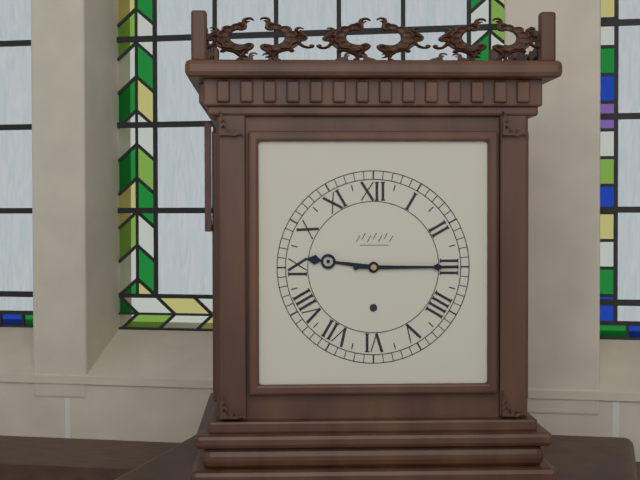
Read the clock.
9:15
